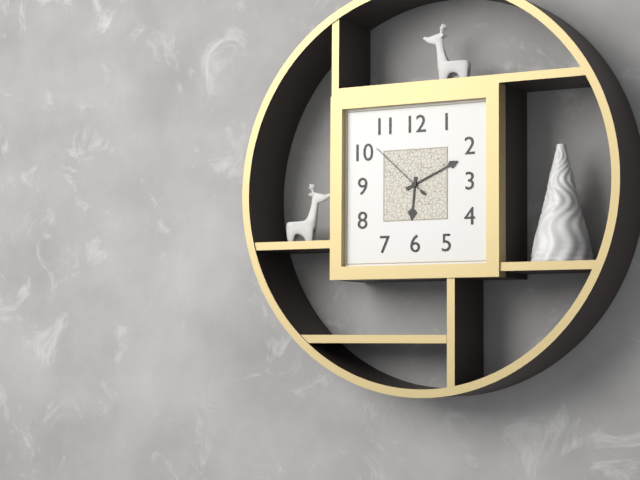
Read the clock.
6:11:52
